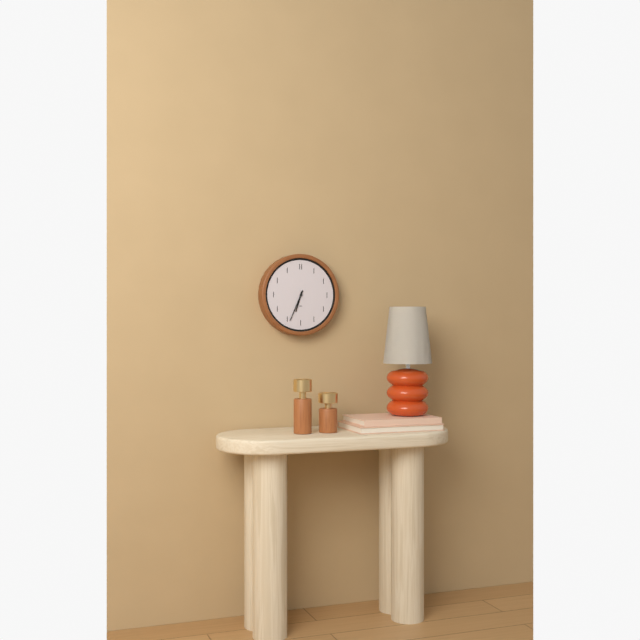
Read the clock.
6:34
